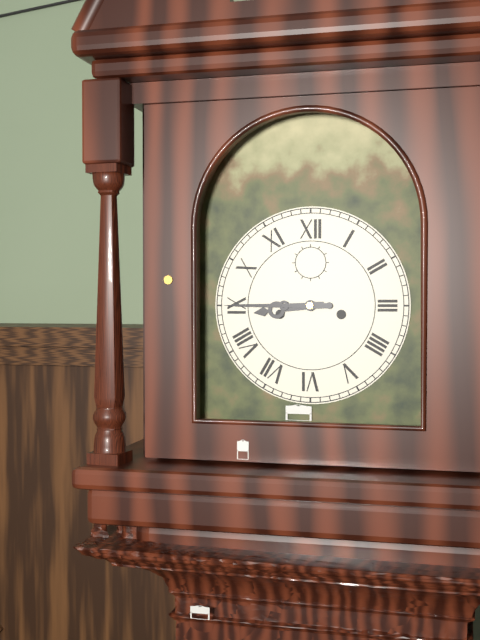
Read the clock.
8:45
